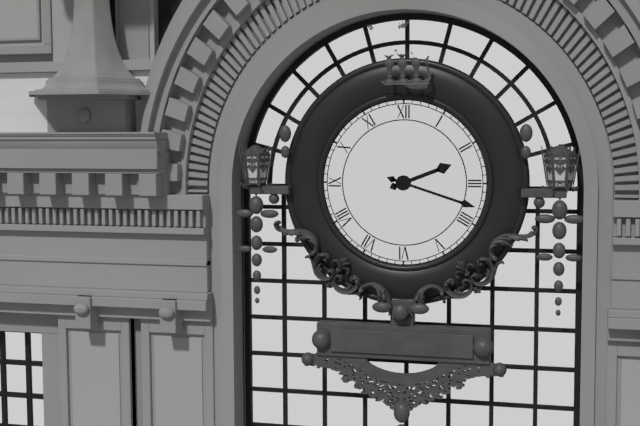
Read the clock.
2:18
